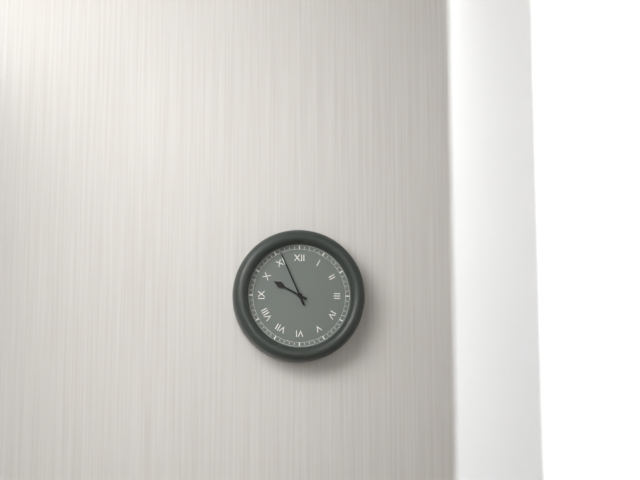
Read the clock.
9:56
